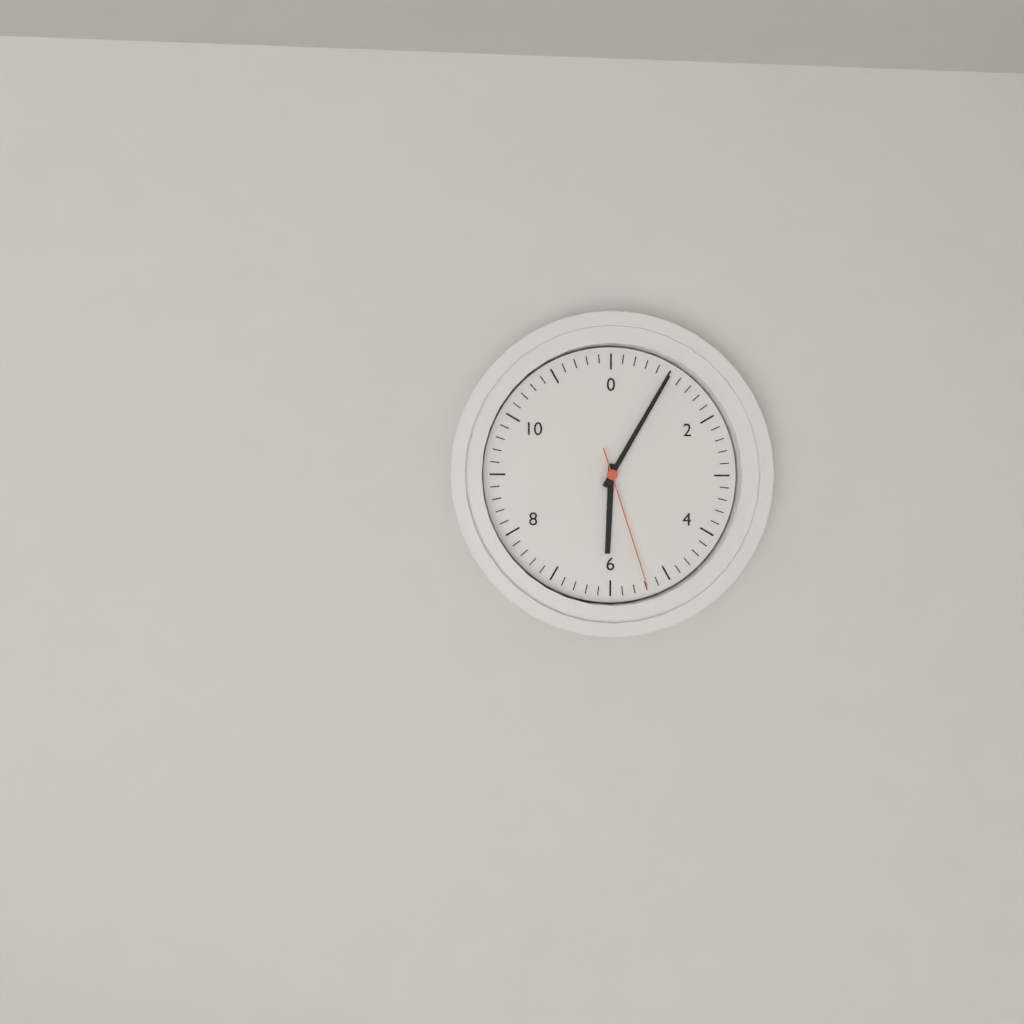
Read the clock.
6:05:27
